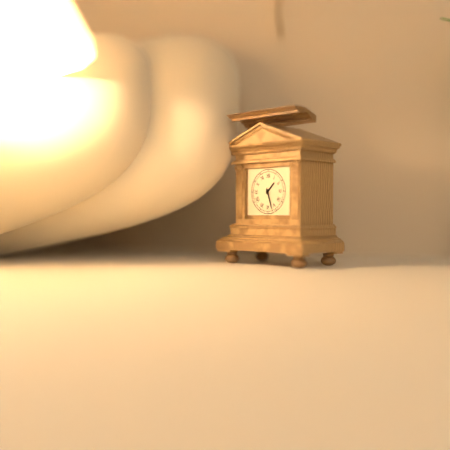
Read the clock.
1:27
